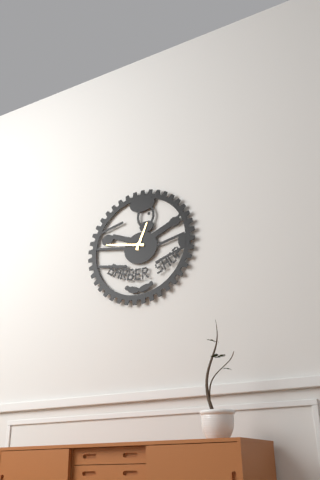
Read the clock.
12:47
